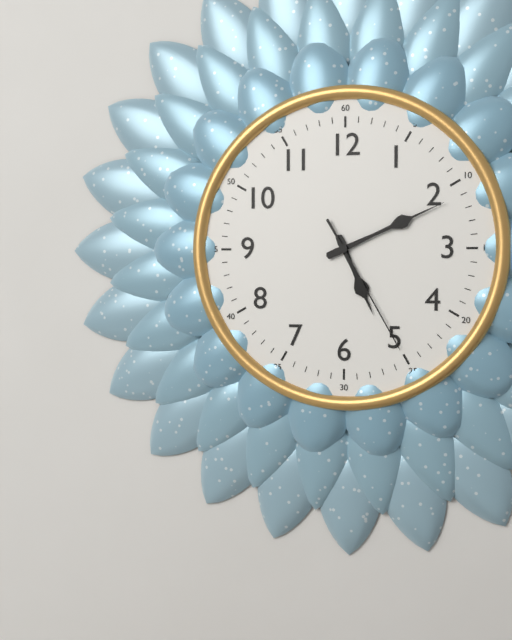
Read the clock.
5:11:25
